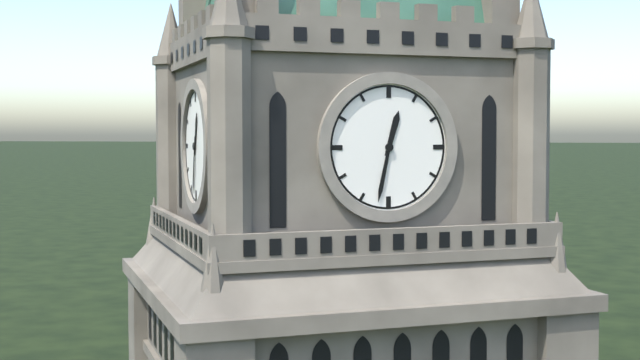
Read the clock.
12:32
